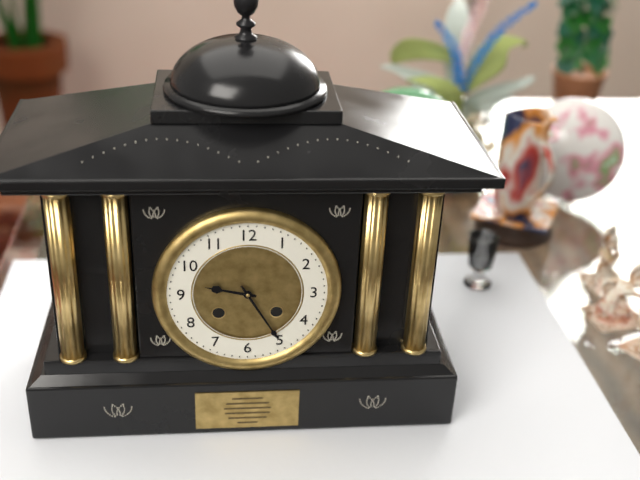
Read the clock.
9:25
